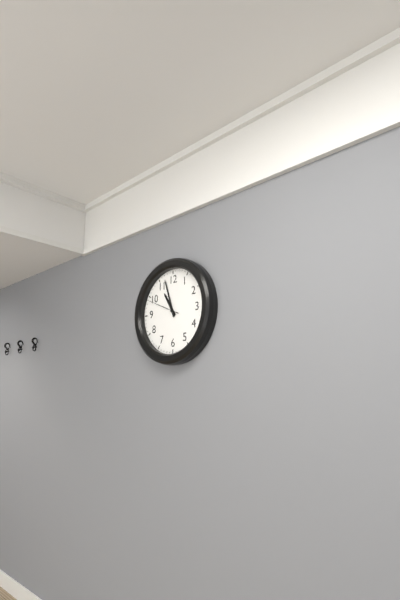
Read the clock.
10:57
